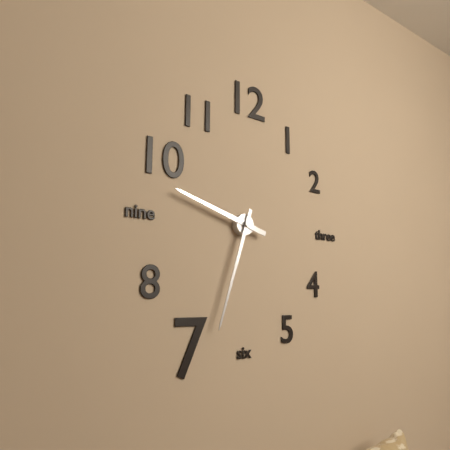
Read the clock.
9:33
